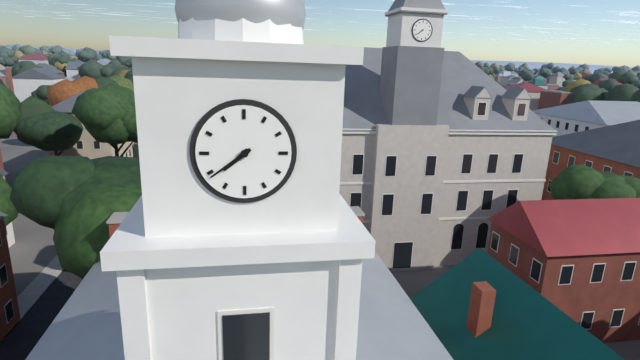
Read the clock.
7:39
